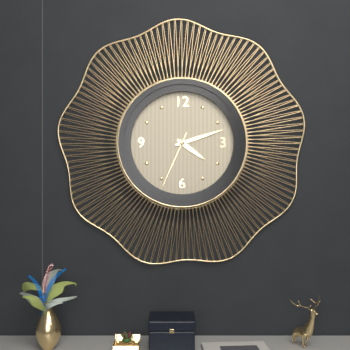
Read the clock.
4:12:34
